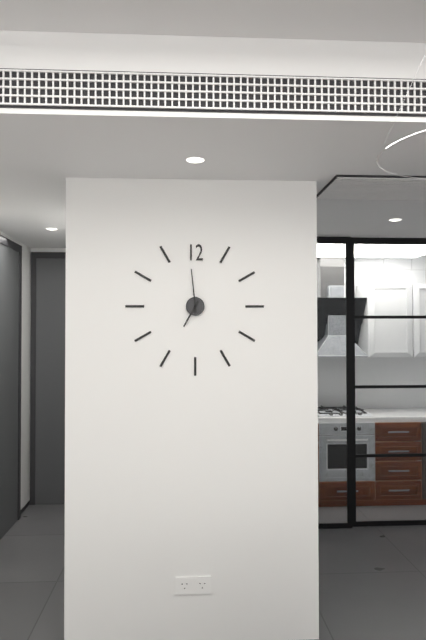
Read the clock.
6:59
